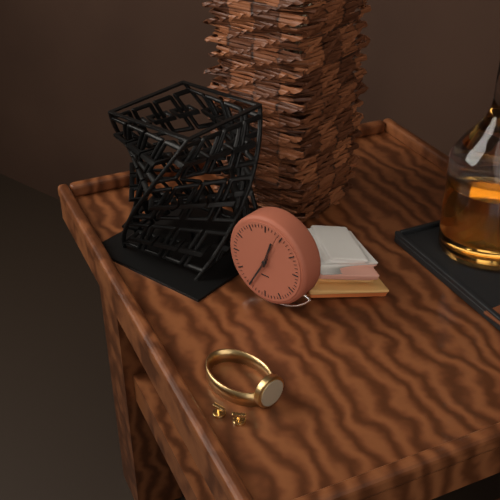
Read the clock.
12:35
